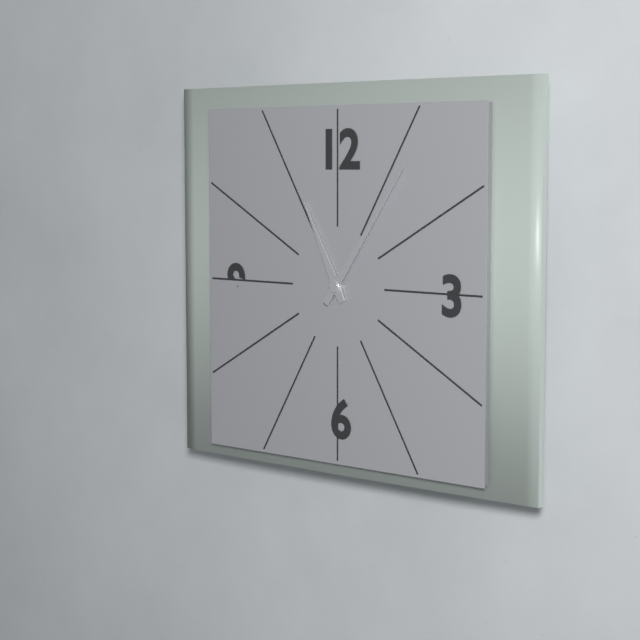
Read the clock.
11:06
